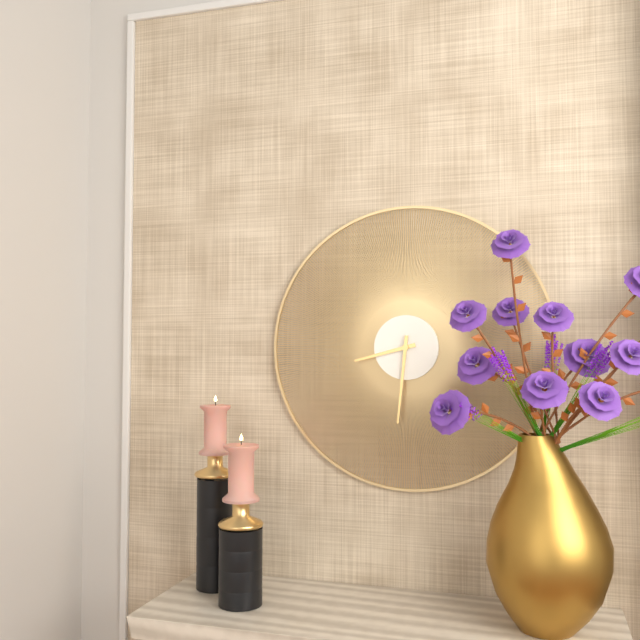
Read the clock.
8:31
